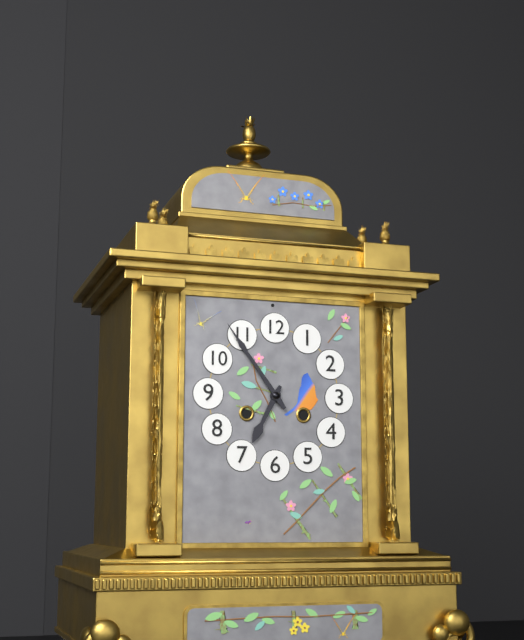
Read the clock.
6:54
